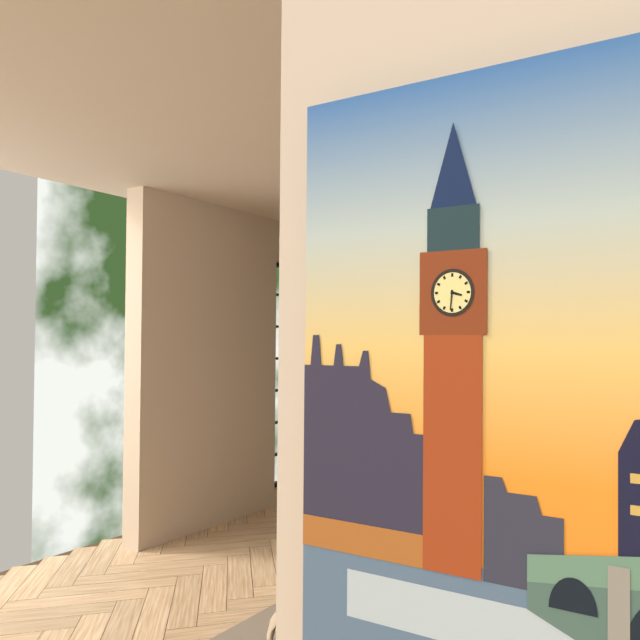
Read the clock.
3:31
